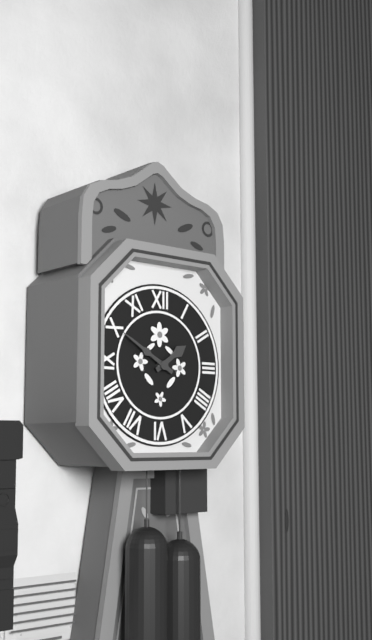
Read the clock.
1:50
